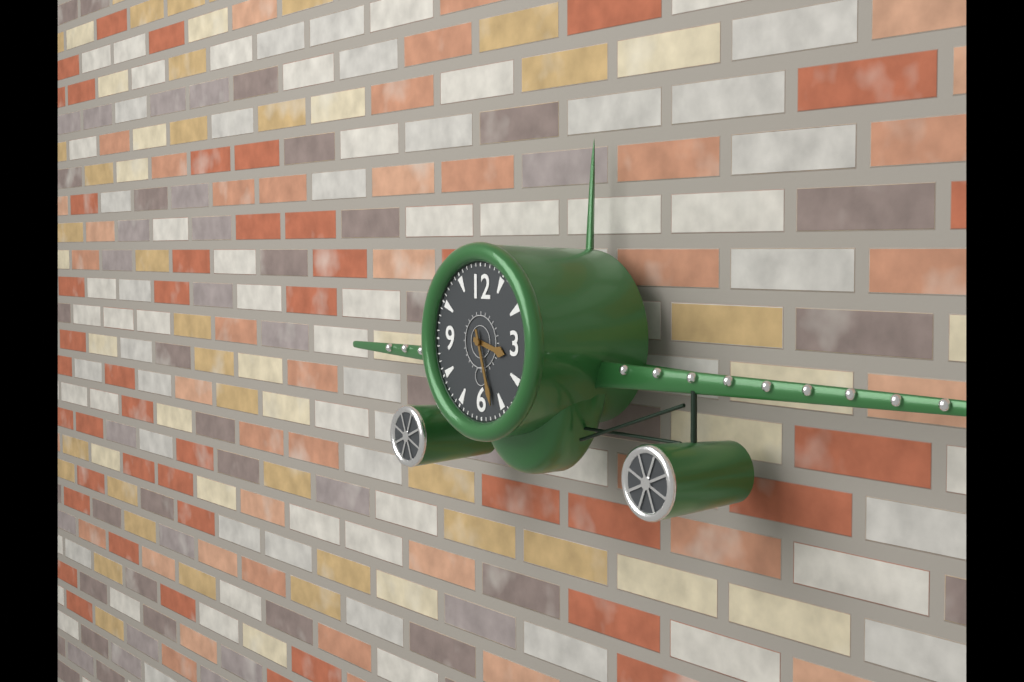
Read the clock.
3:27
